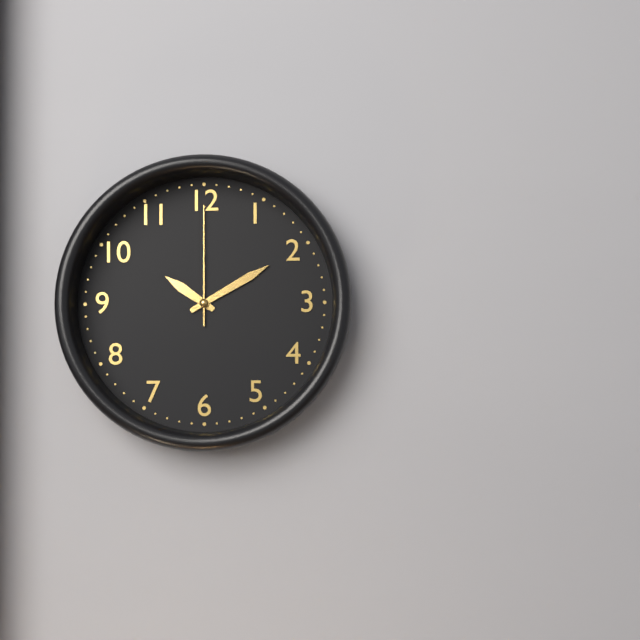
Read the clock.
10:10:00
